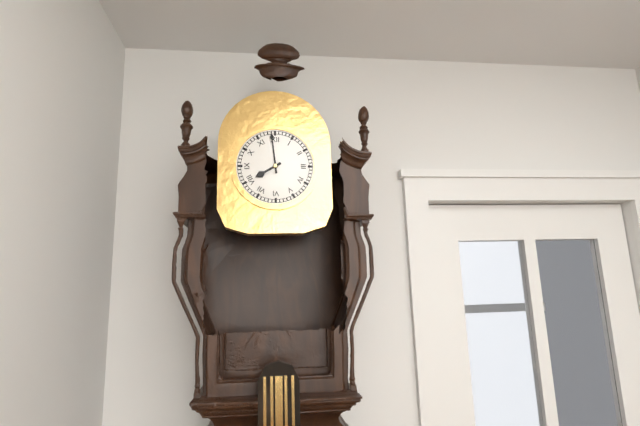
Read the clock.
7:59
